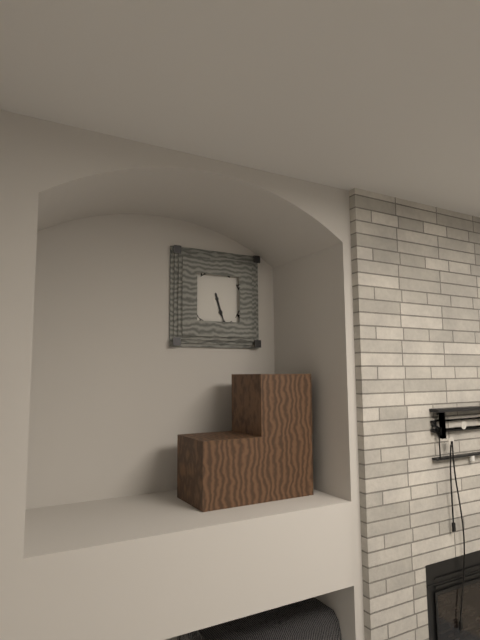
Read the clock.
5:27
